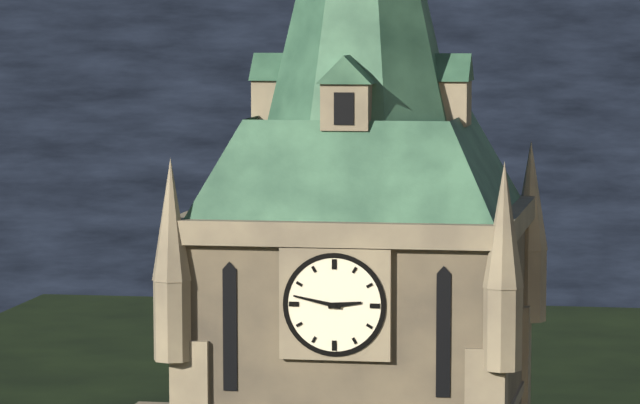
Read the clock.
2:47
